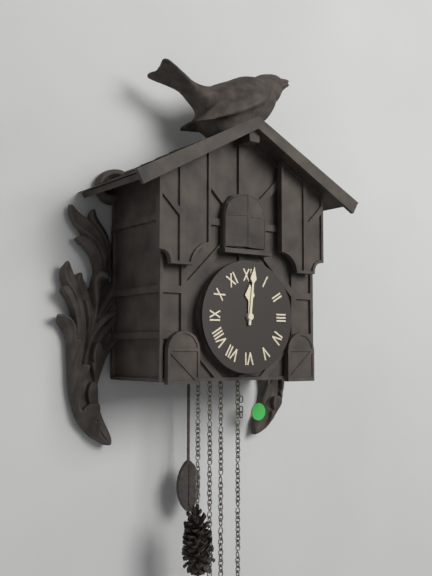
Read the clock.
12:01
